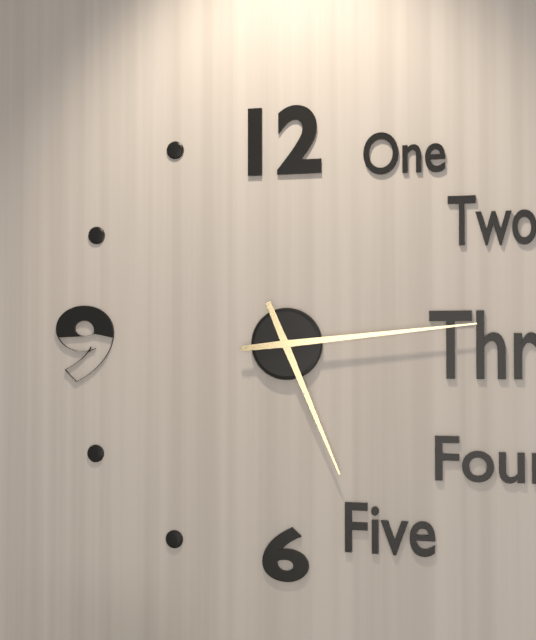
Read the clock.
5:14
